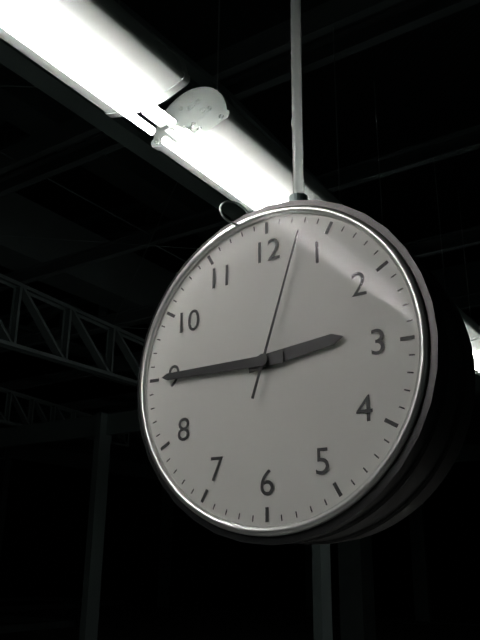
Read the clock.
2:45:03
